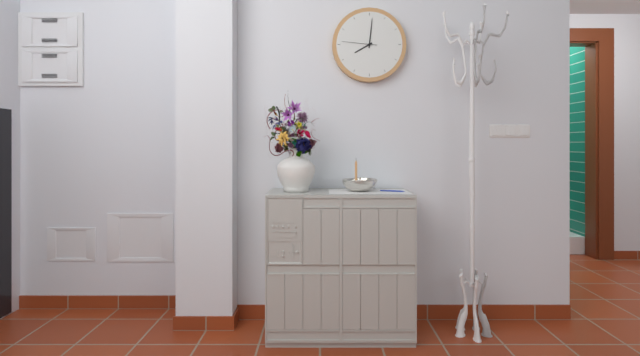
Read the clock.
8:01
